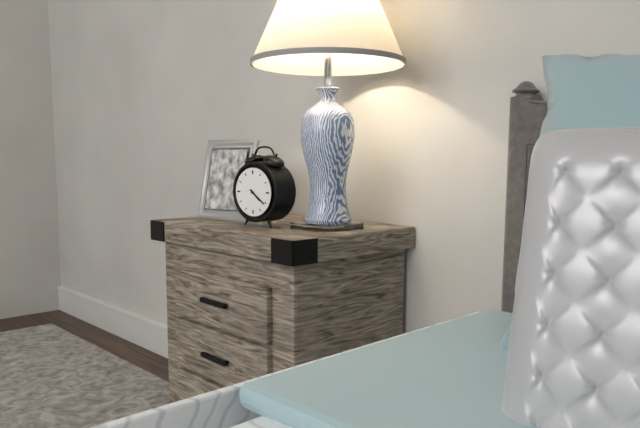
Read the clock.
4:21
